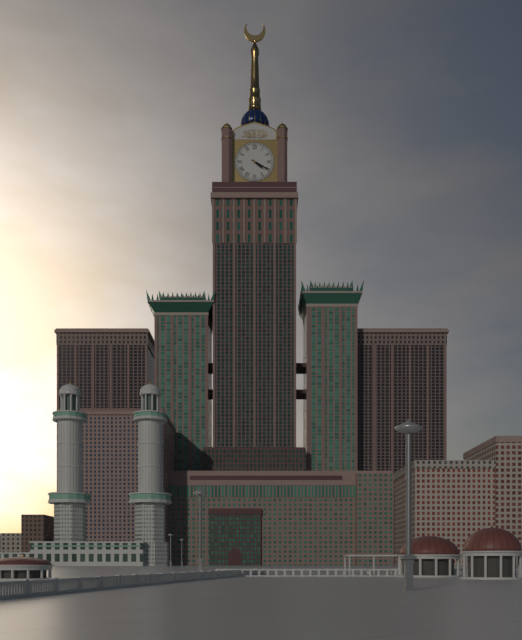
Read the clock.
4:20
